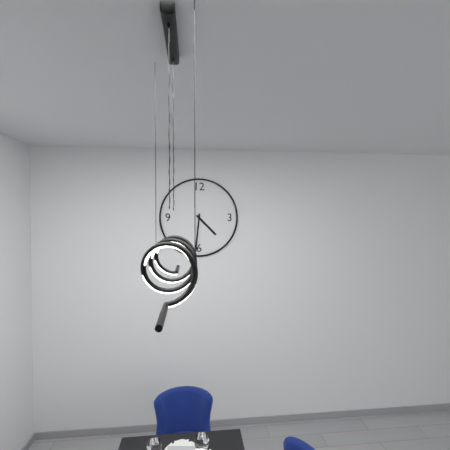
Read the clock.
4:31
